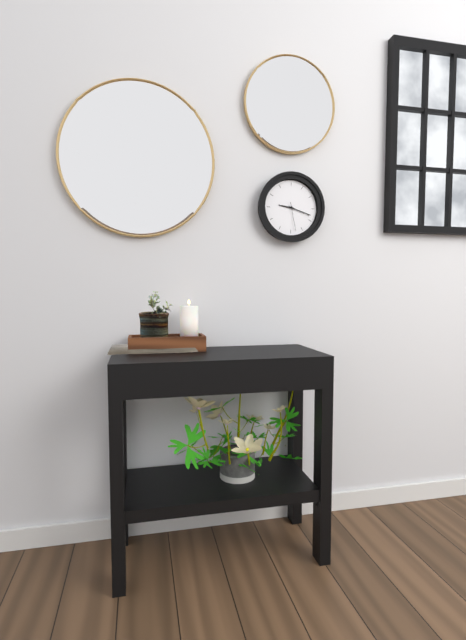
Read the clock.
9:18
